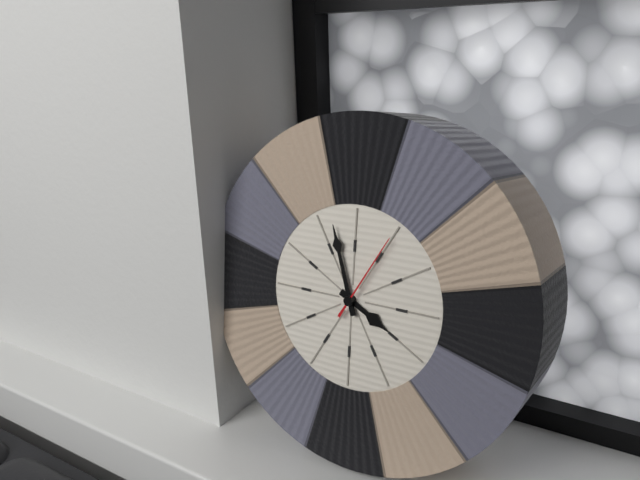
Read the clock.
3:57:05
